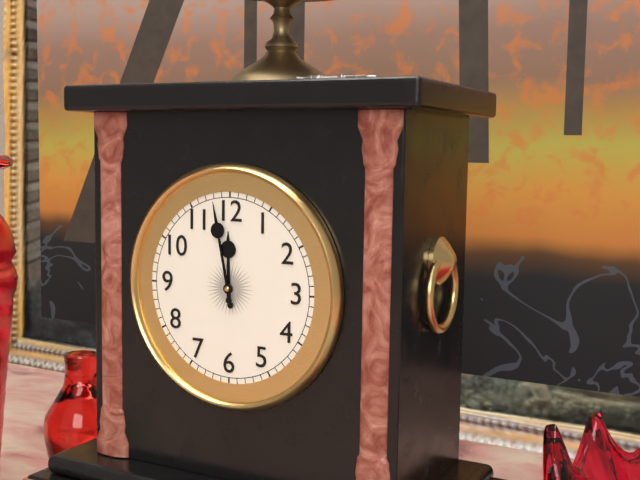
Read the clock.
11:58
